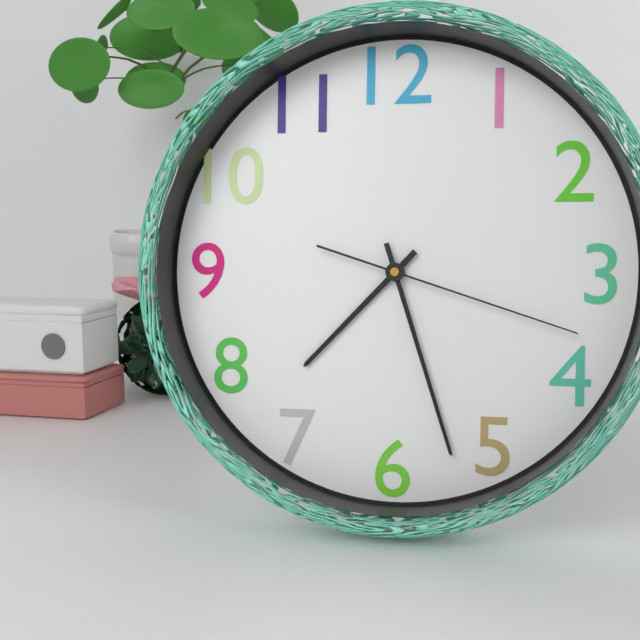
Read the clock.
7:27:18
